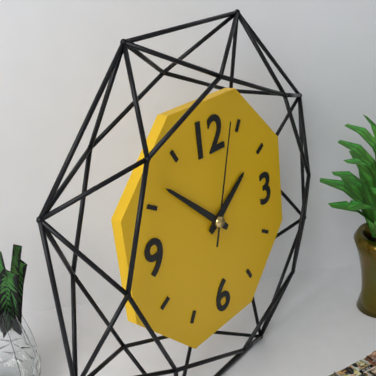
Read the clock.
1:52:03
